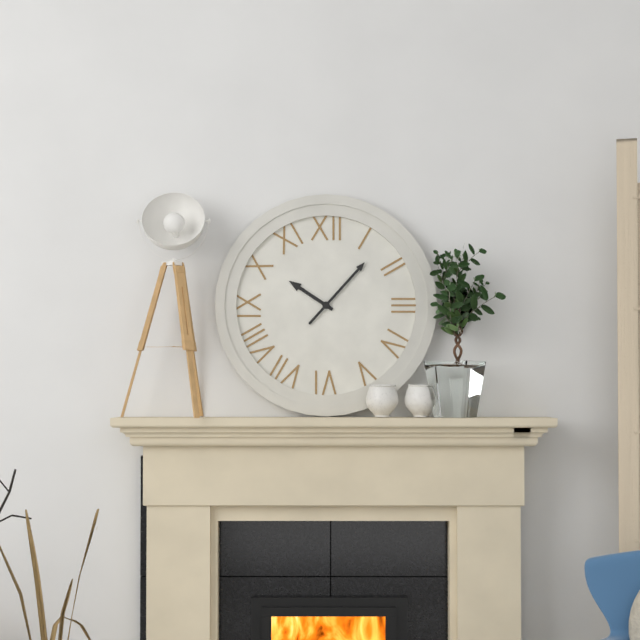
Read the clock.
10:07
